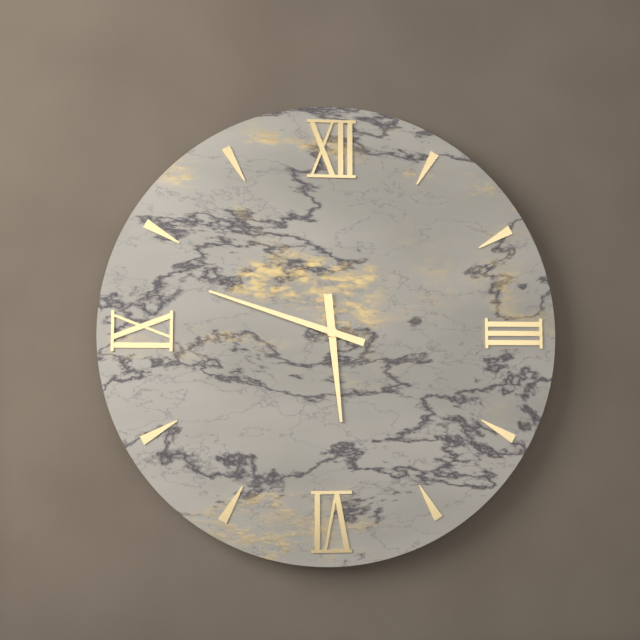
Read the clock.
5:48
